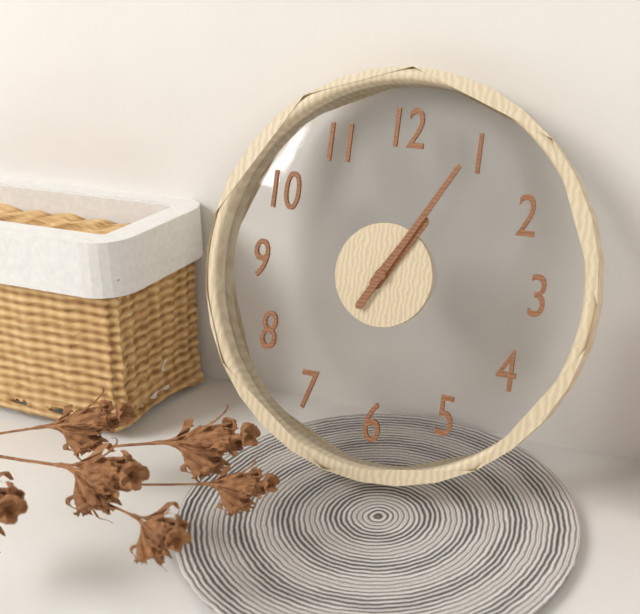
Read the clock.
1:05
